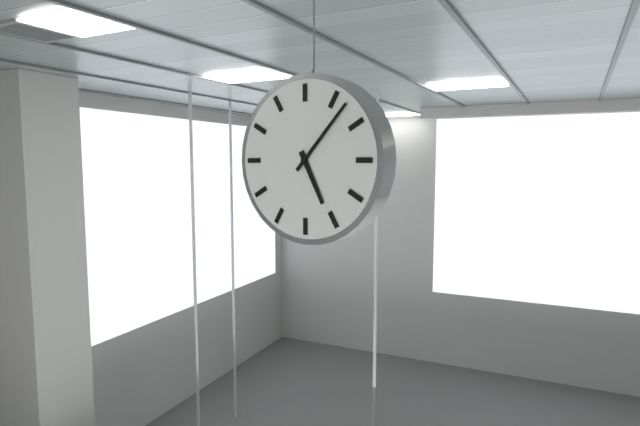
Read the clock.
5:07
